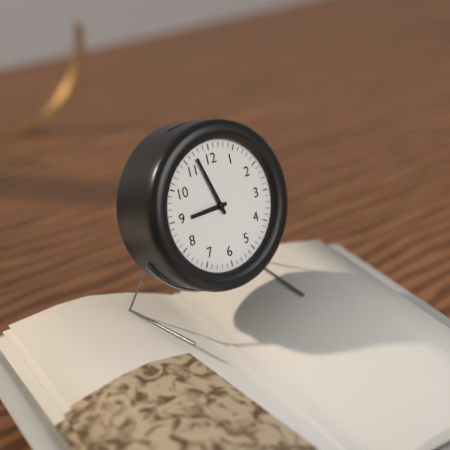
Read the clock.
8:57
